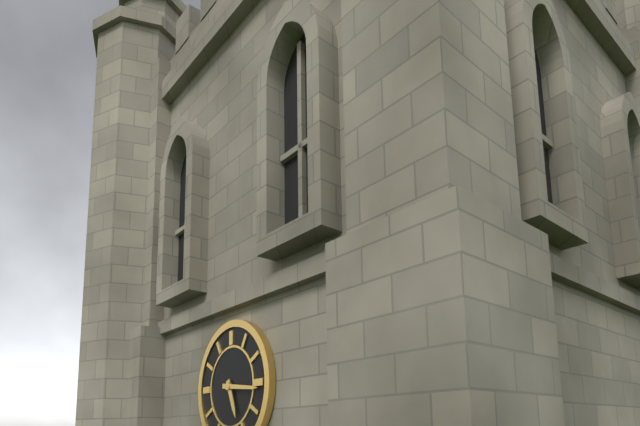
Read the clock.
5:16
